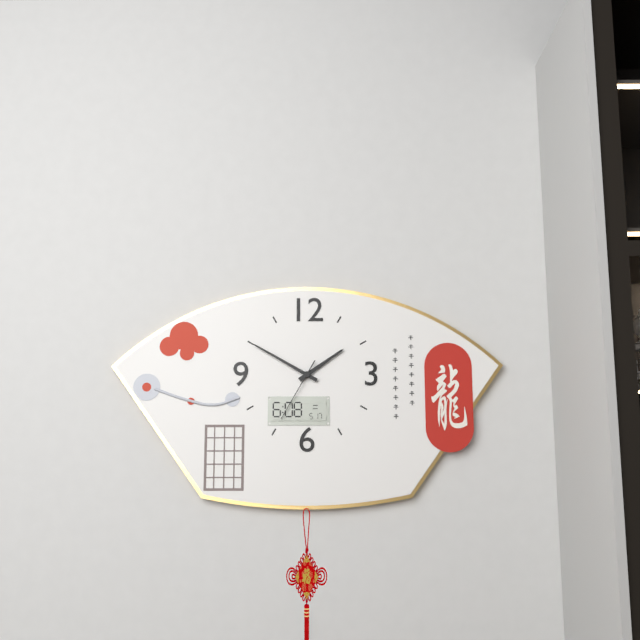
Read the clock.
1:50:35
